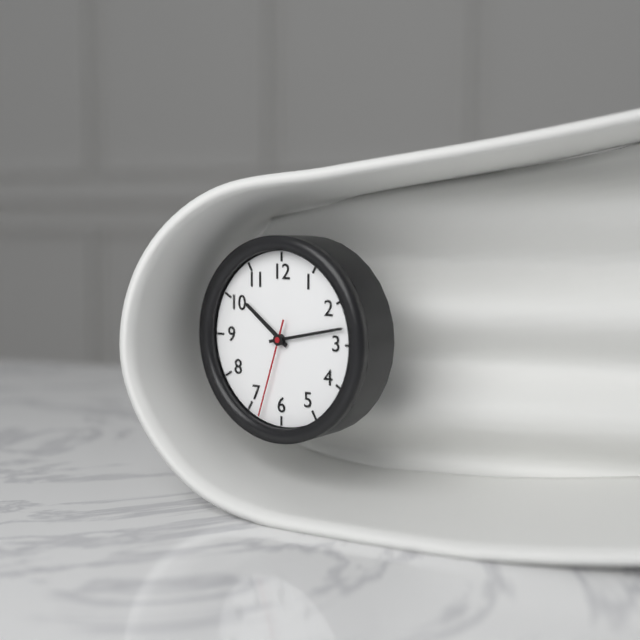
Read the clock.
10:13:33
